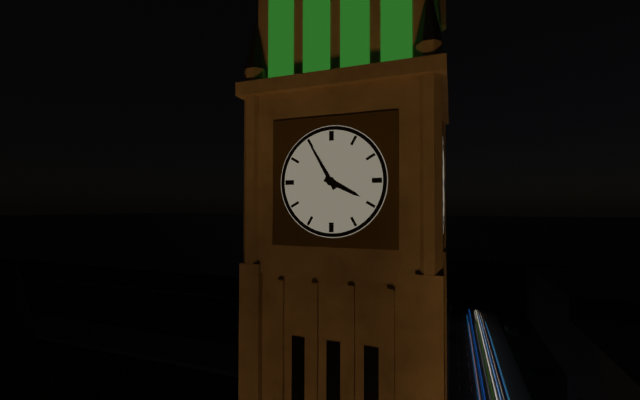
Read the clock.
3:55
